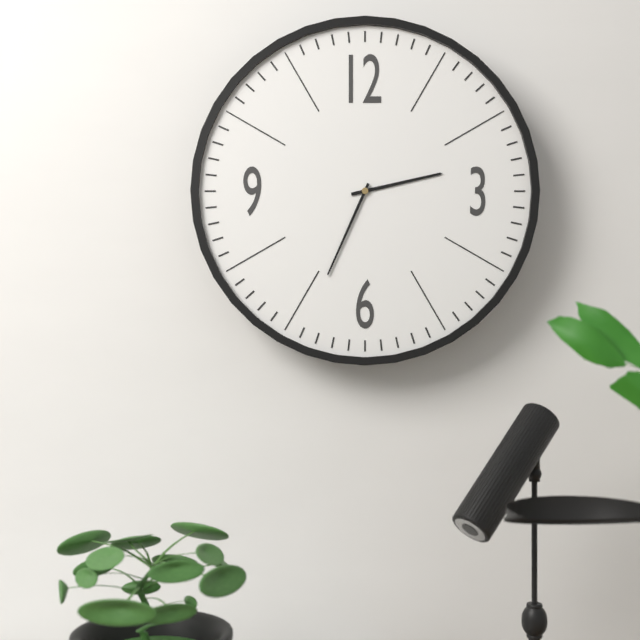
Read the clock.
2:34
